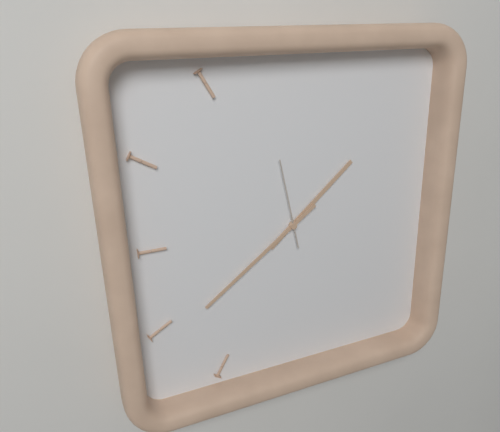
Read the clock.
1:39:58
